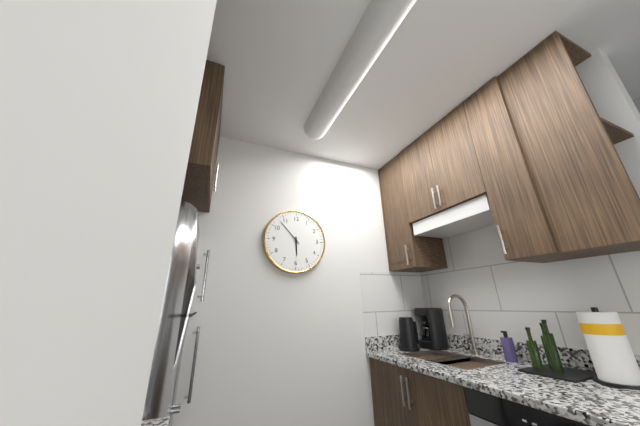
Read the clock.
5:53
